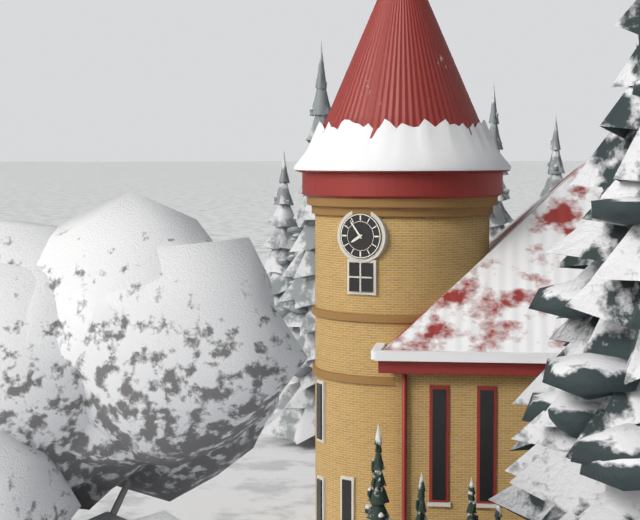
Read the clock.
7:54
